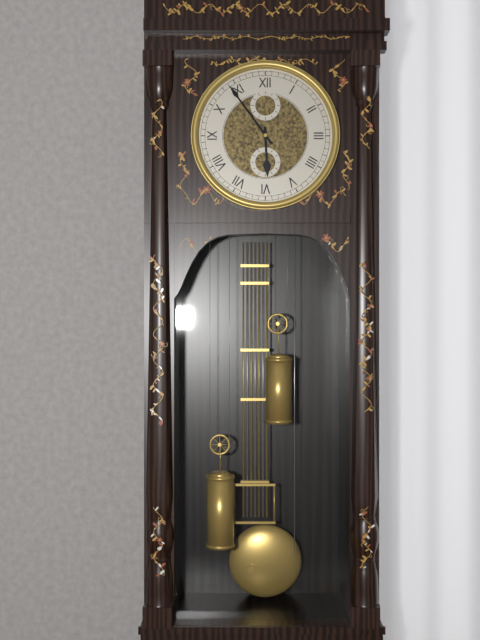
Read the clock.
5:54
